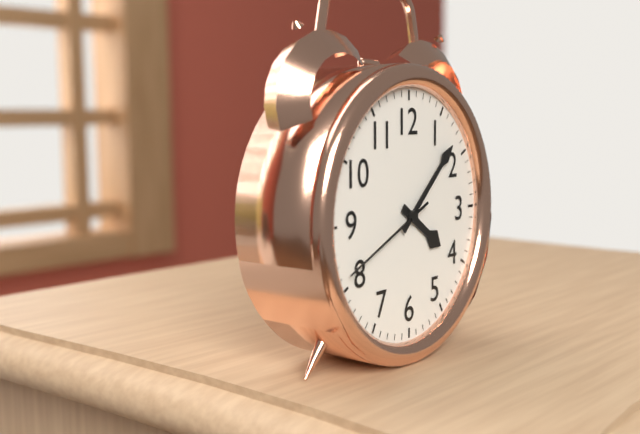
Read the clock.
4:08:41
